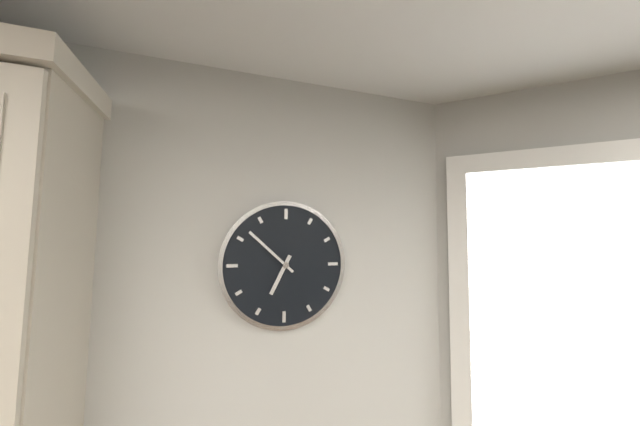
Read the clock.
6:52
